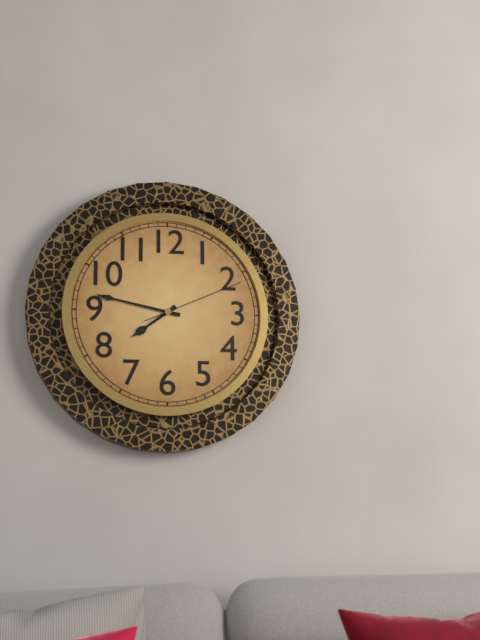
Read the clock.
7:47:11
